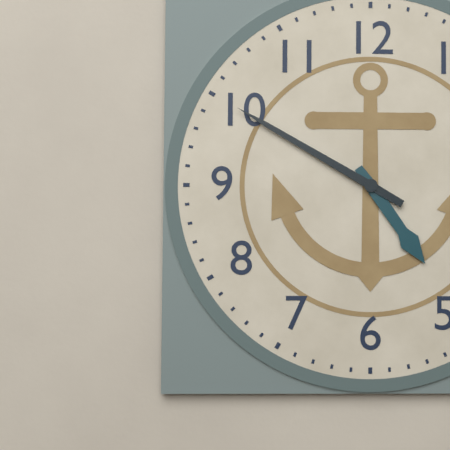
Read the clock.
4:50
